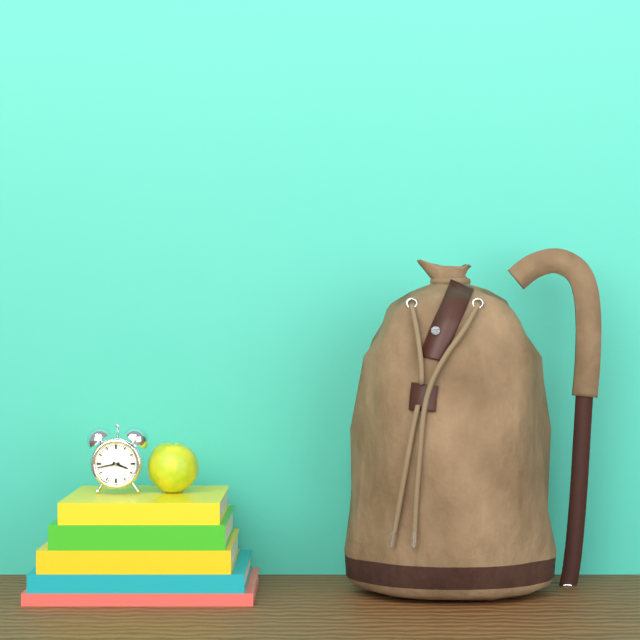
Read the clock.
3:43
